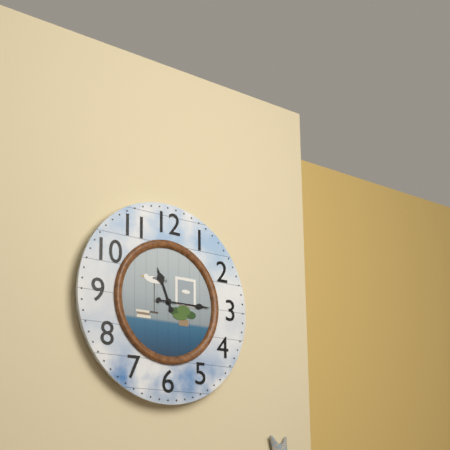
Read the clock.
11:15
